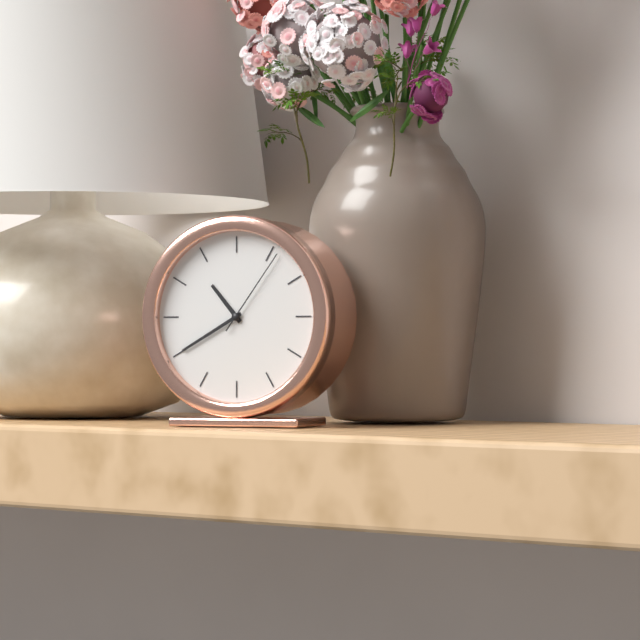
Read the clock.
10:40:06
